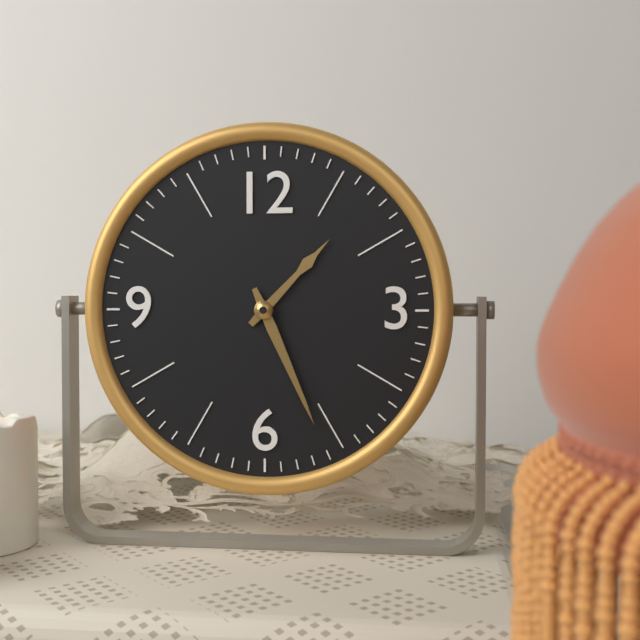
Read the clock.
1:26
